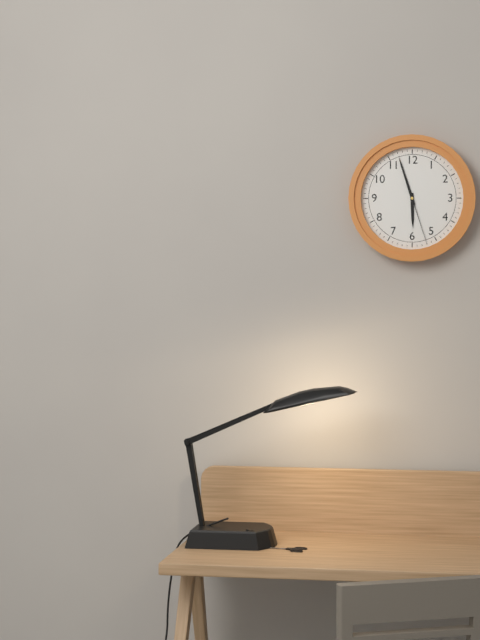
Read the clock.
5:57:27
